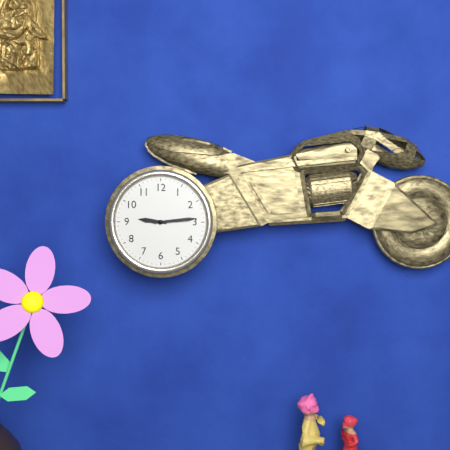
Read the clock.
9:14
